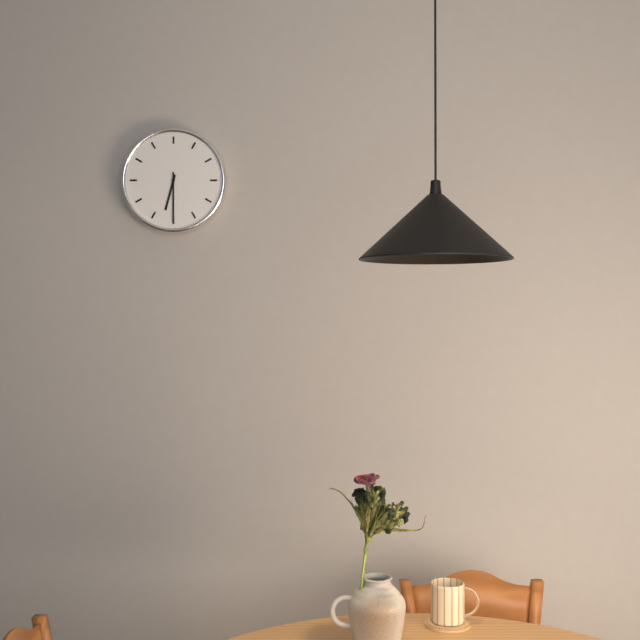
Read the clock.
6:30
